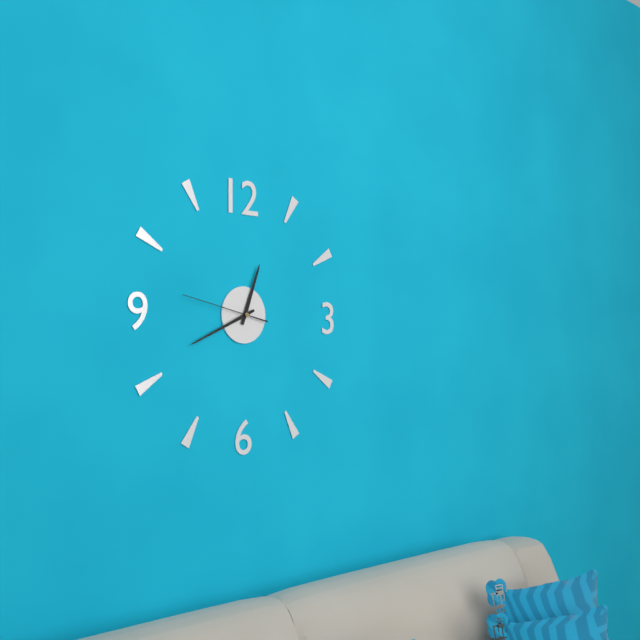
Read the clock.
12:41:47
